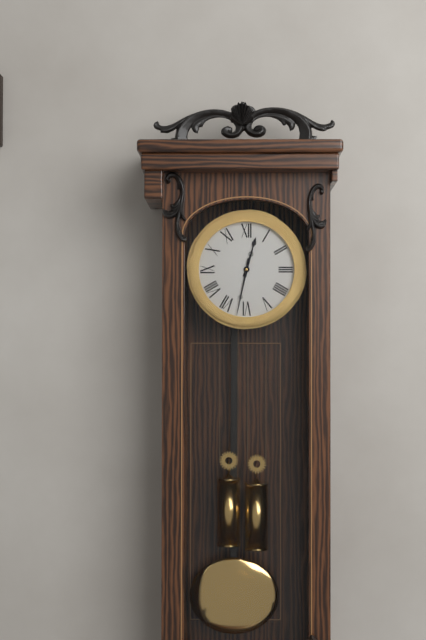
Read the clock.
12:32
